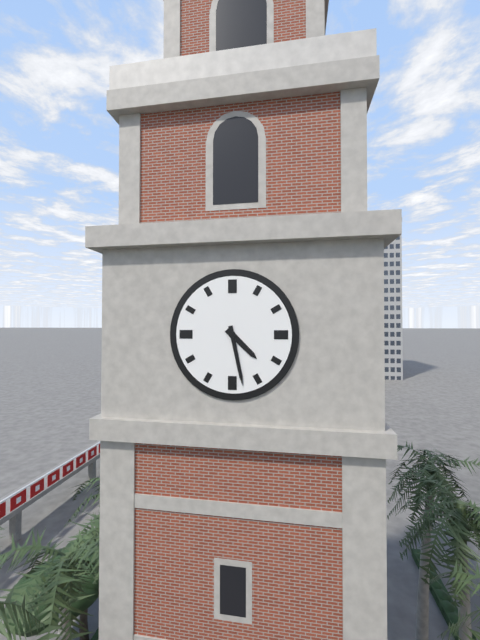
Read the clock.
4:28
